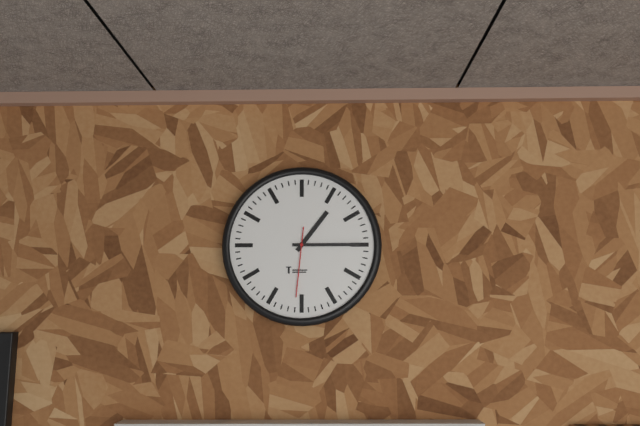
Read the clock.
1:15:31
